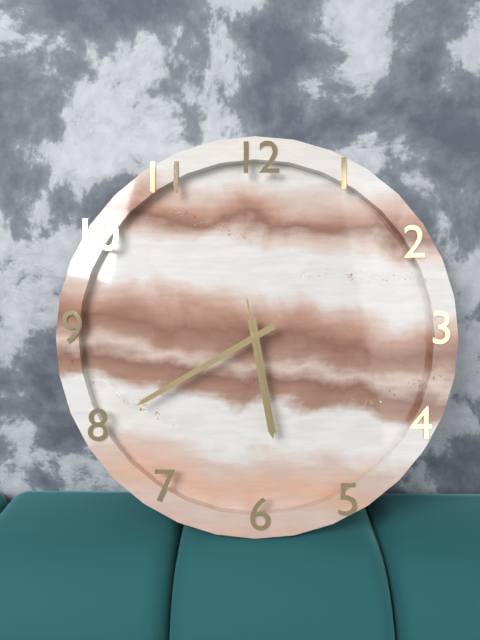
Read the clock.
5:40:28
